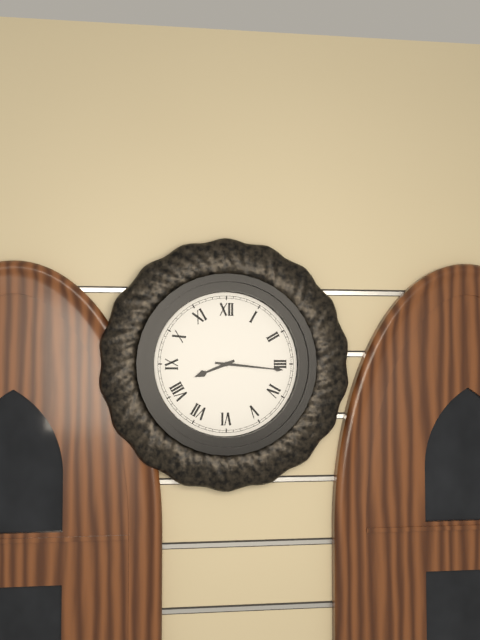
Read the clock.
8:16
